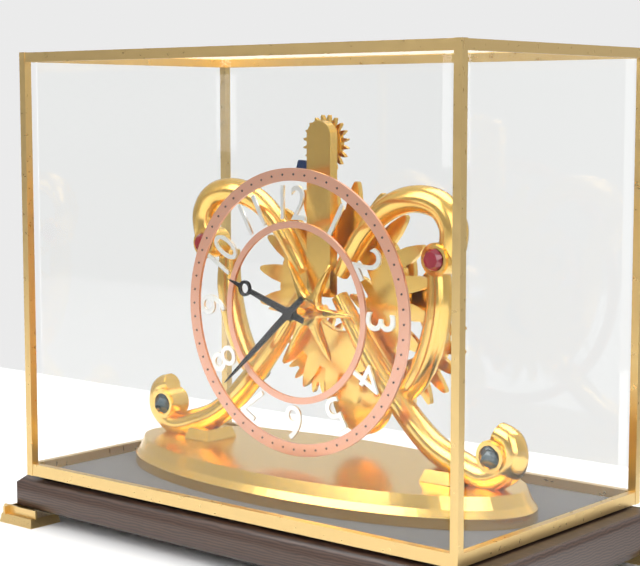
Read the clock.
9:38
